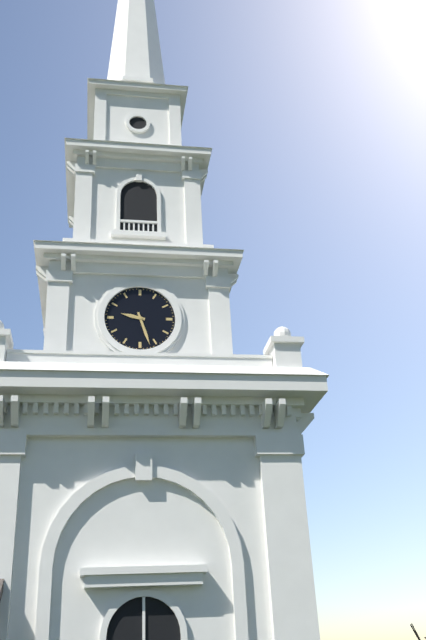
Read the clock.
9:27
